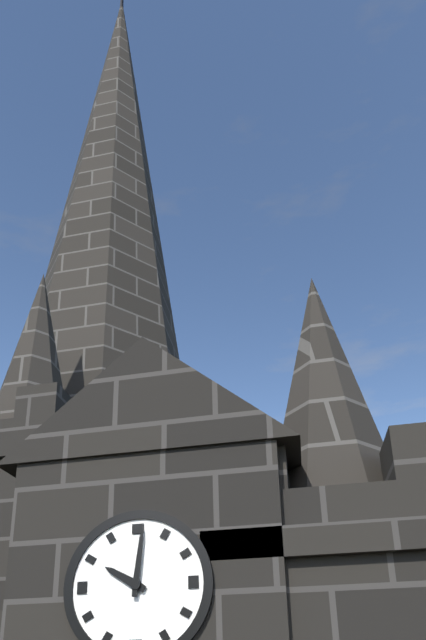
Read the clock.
10:01
